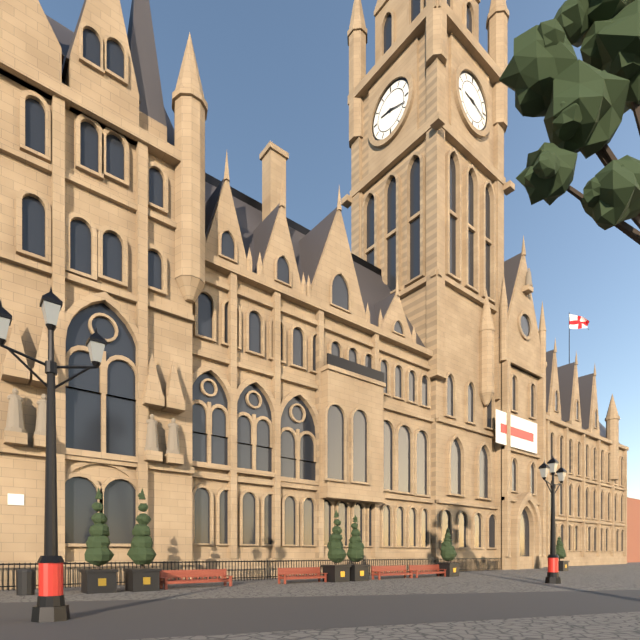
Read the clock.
9:18
